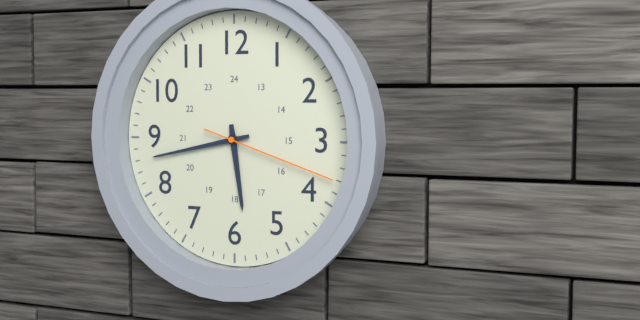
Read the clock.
5:43:18
